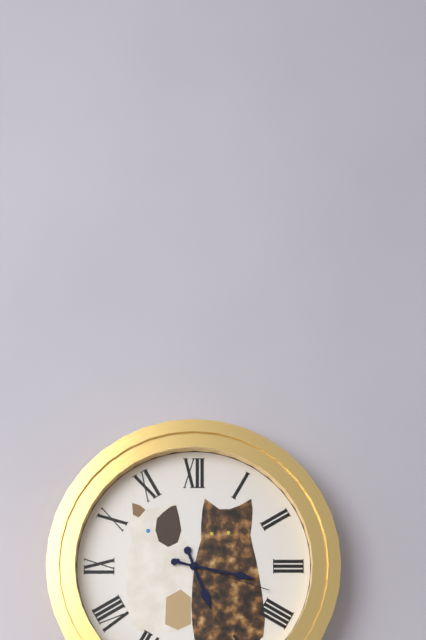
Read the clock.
5:17:18
